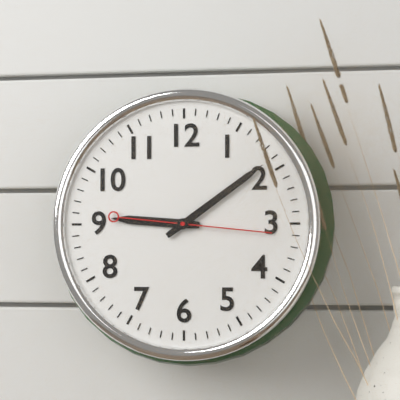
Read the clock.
9:09:16
